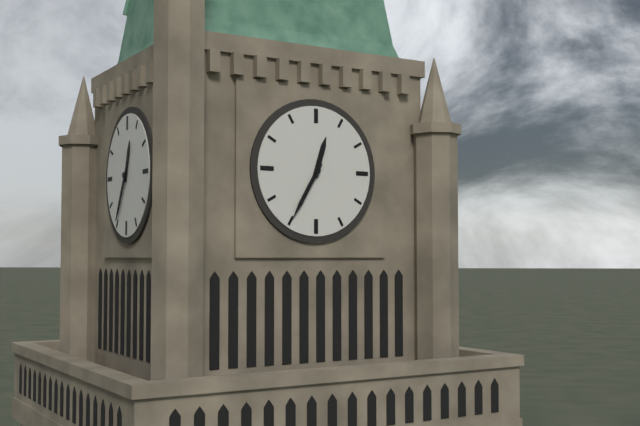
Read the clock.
12:35
